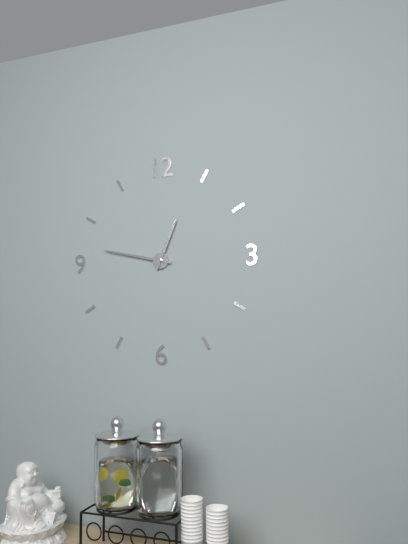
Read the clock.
12:47
